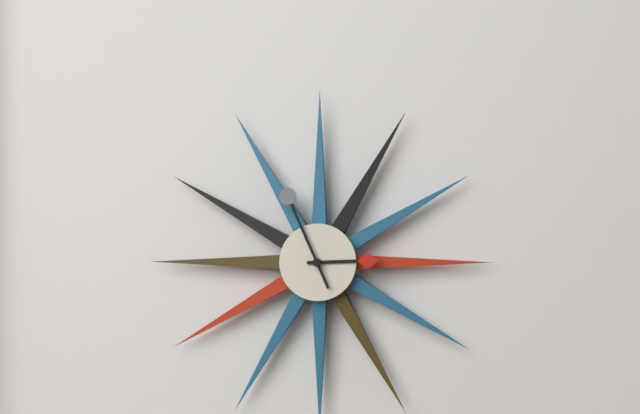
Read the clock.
2:56
